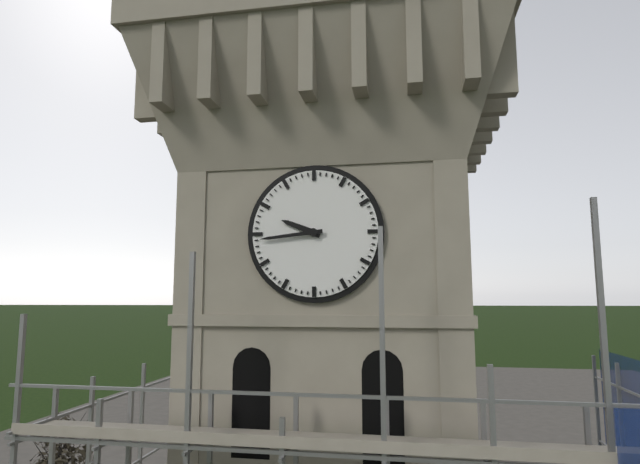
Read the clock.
9:44
